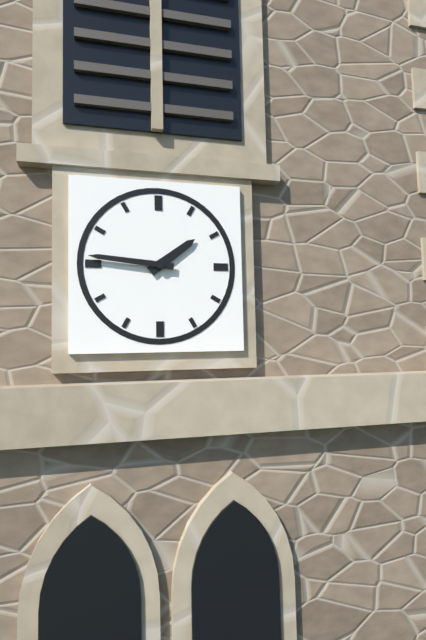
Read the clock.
1:46
